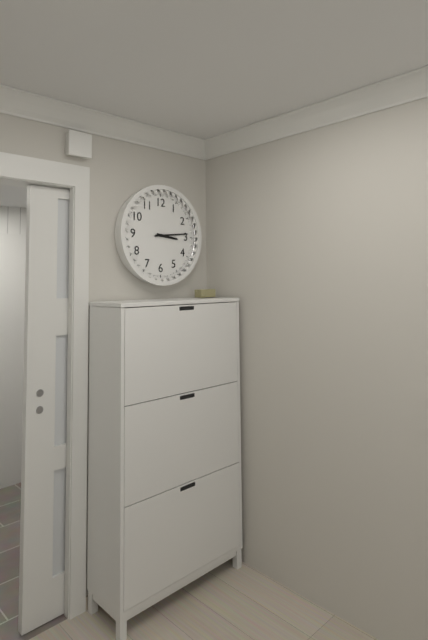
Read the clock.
3:14
